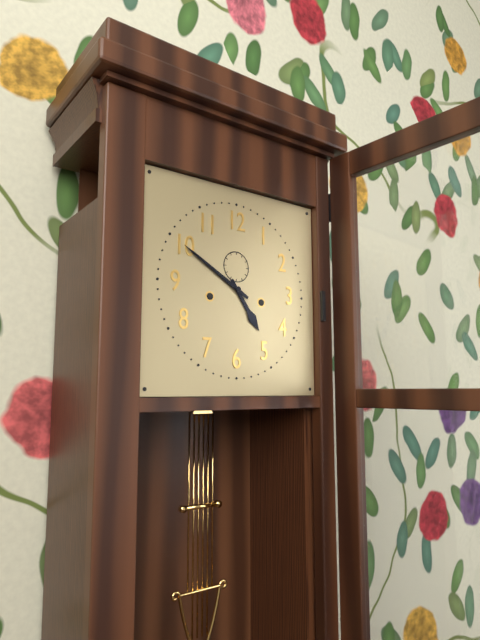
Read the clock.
4:50
